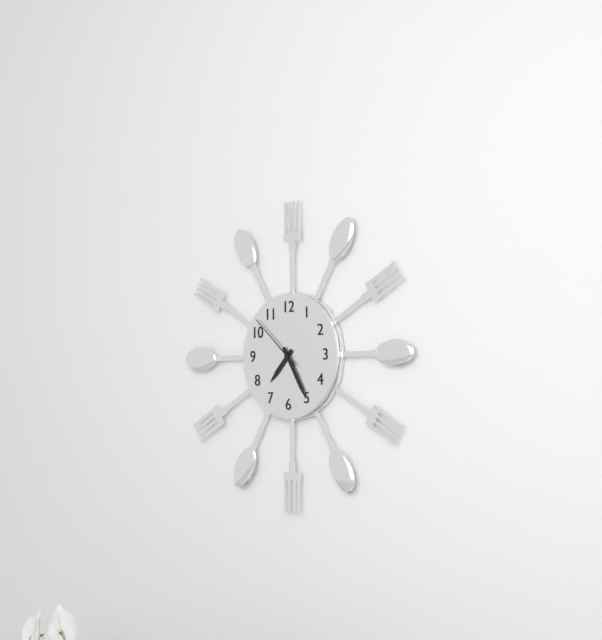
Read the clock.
7:25:52
